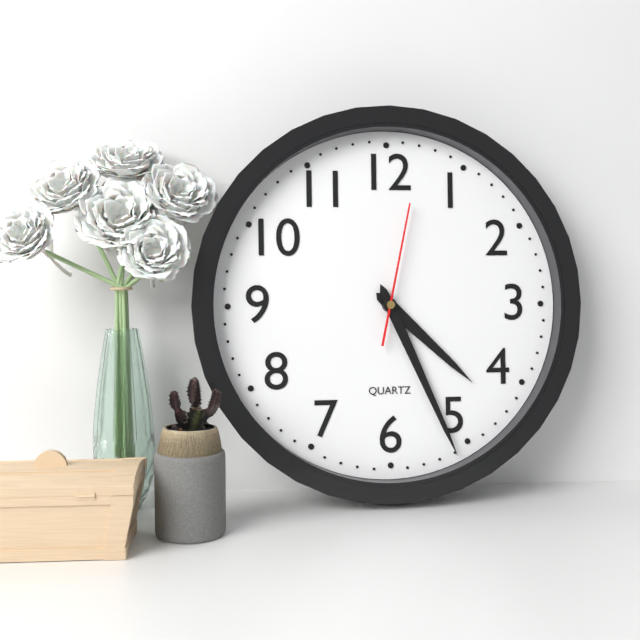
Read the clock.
4:26:02
